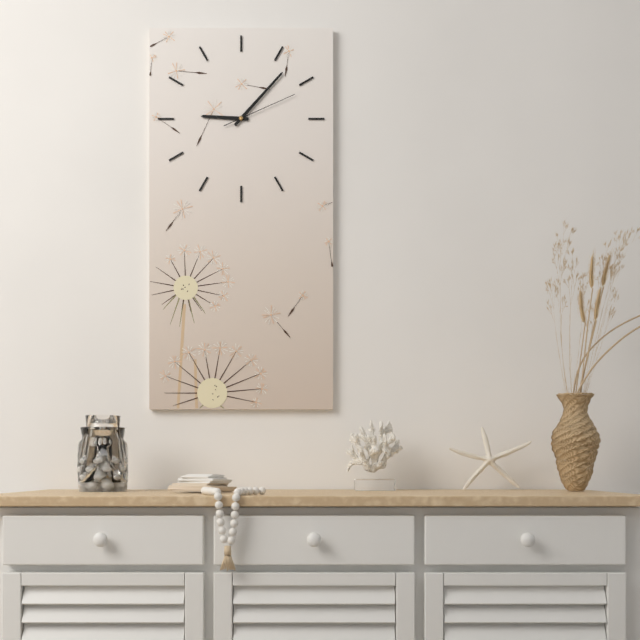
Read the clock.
9:07:11
